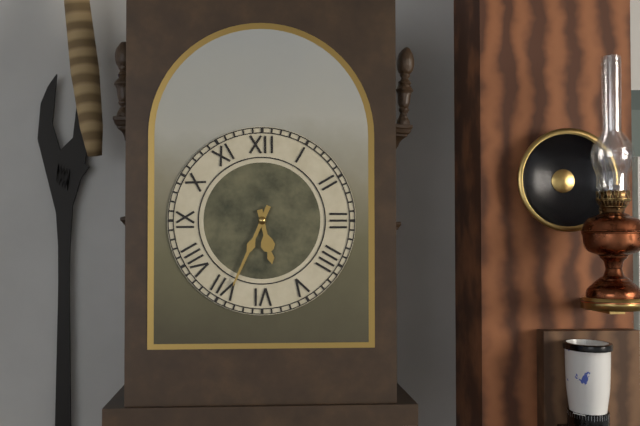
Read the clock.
5:34
